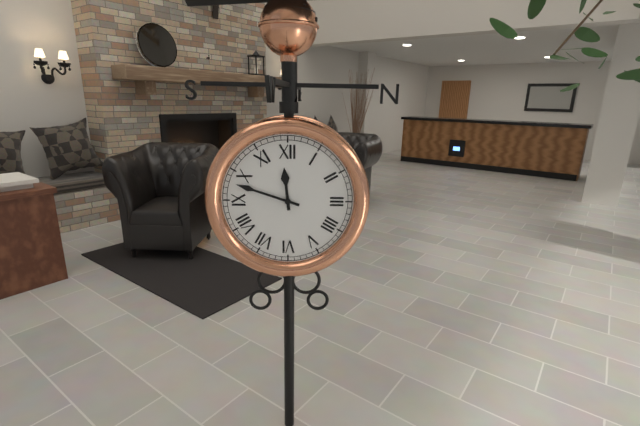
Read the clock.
11:48
